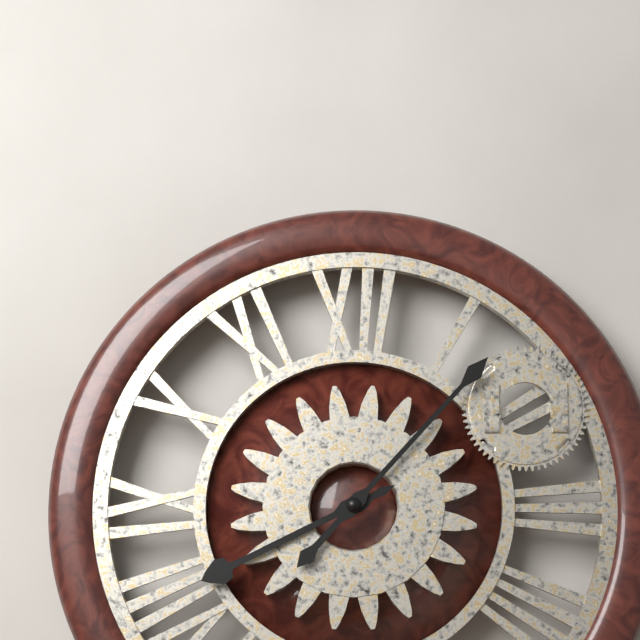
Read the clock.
8:07
